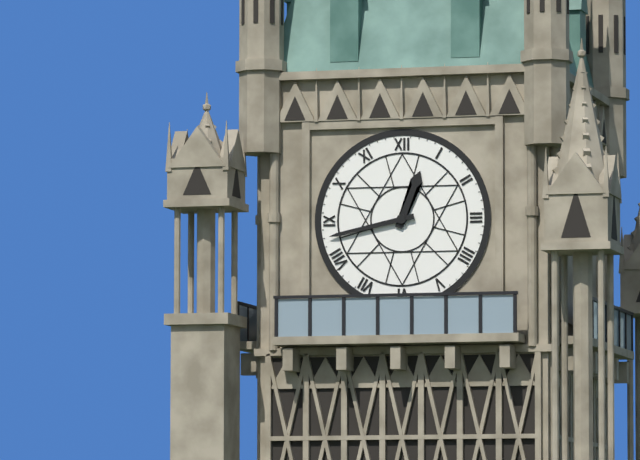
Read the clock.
12:43
